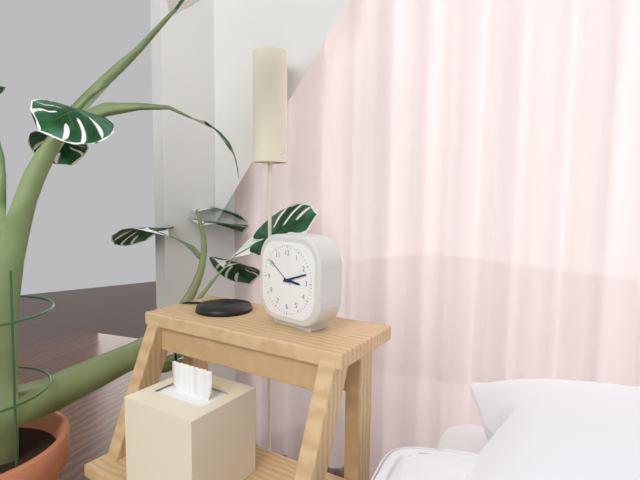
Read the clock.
3:12
